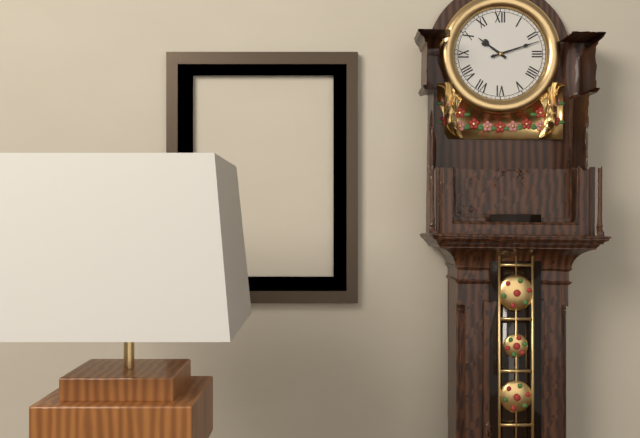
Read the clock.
10:12
